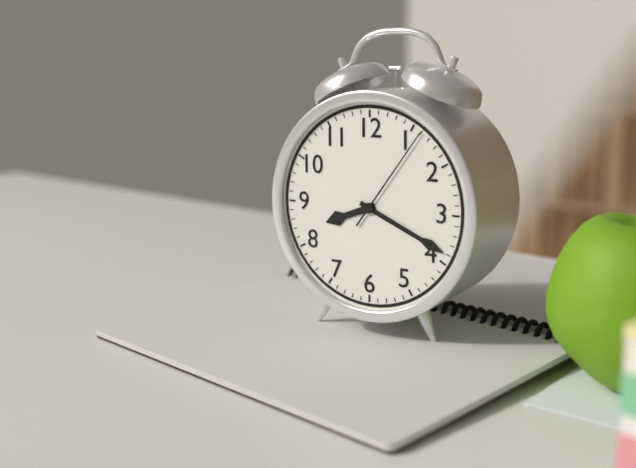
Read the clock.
8:19:06
